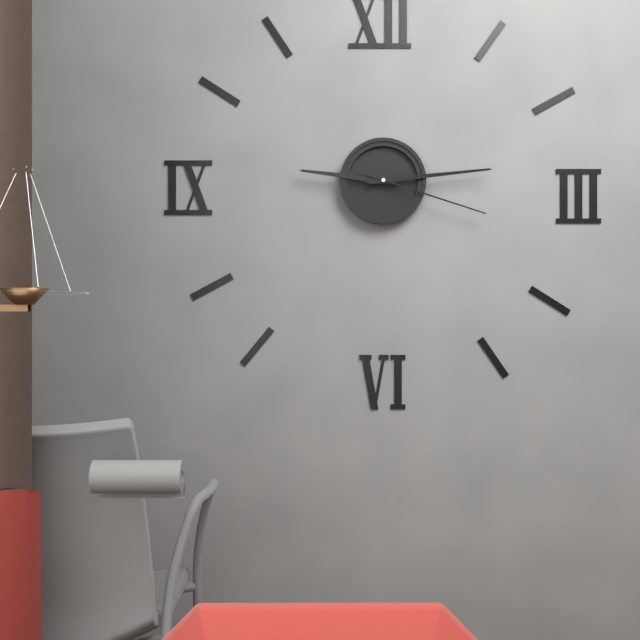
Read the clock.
9:14:18
